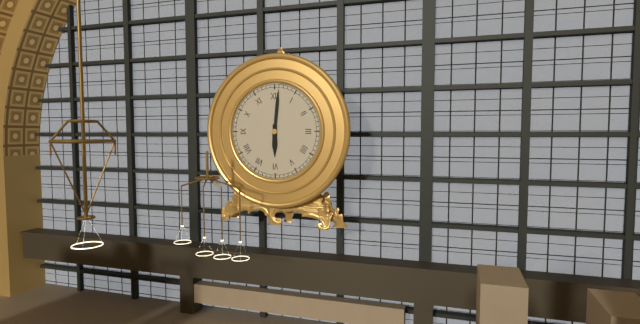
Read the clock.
6:01
